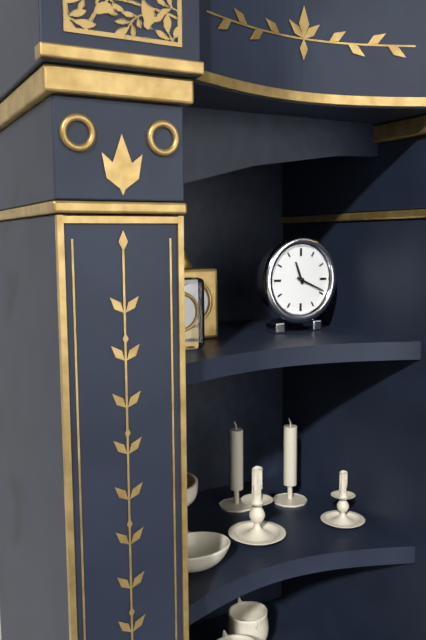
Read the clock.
11:19
